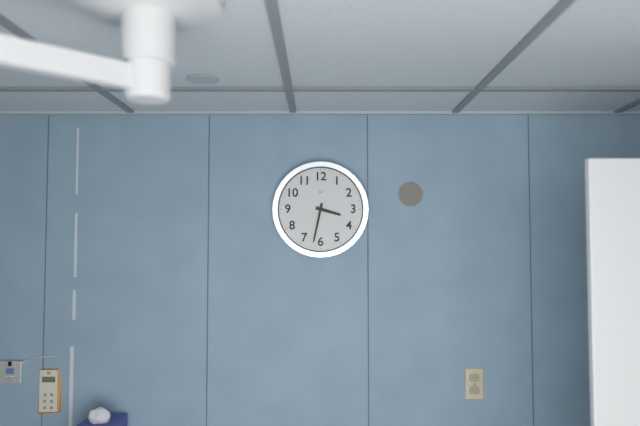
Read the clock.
3:32
